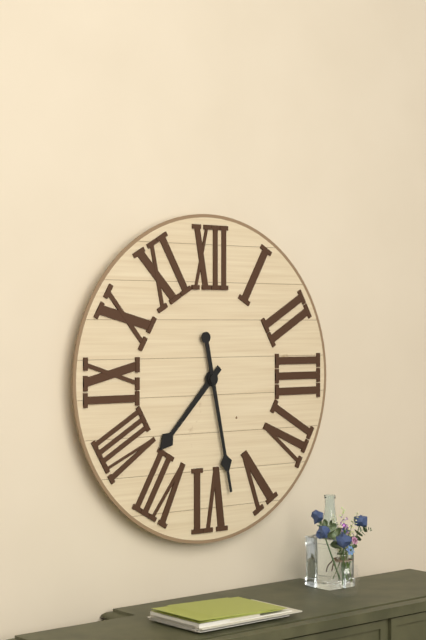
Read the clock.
7:28
